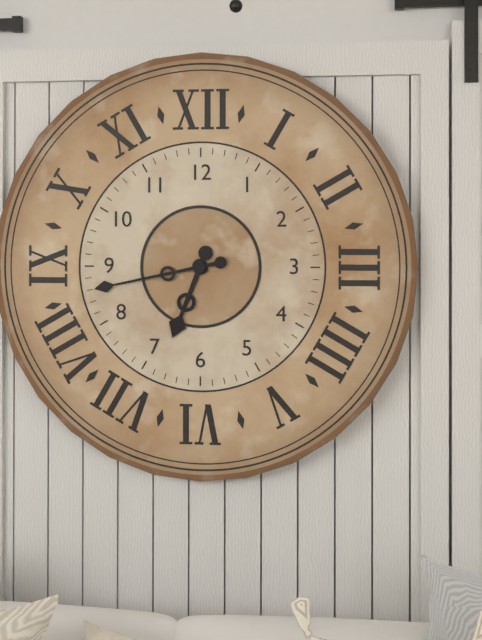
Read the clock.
6:43
